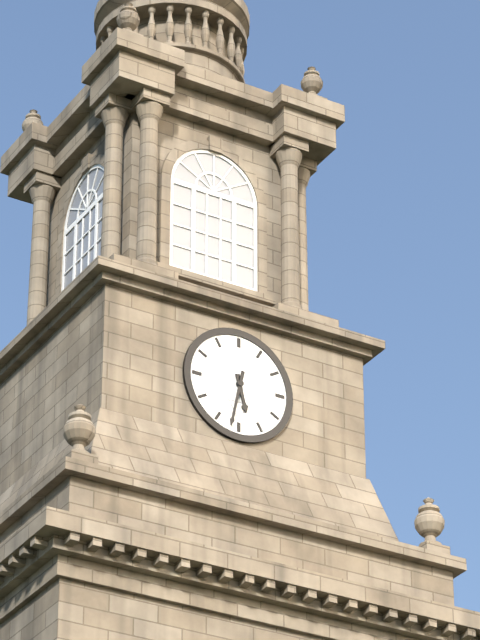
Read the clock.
5:32
